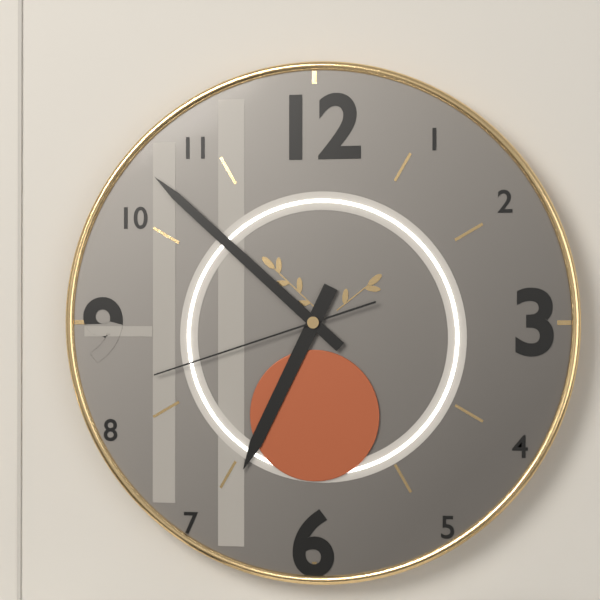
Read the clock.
6:52:42
